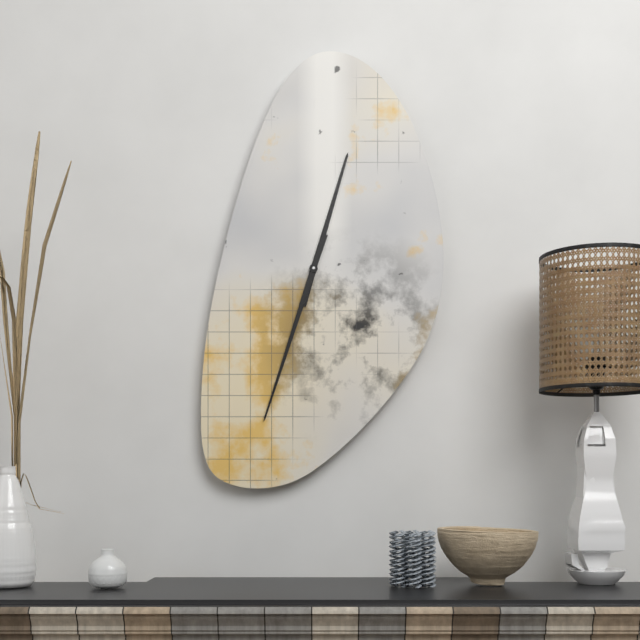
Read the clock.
12:33
